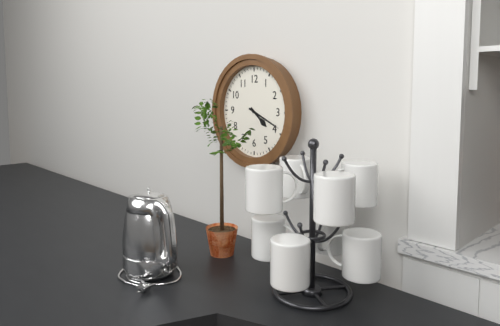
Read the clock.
4:19
